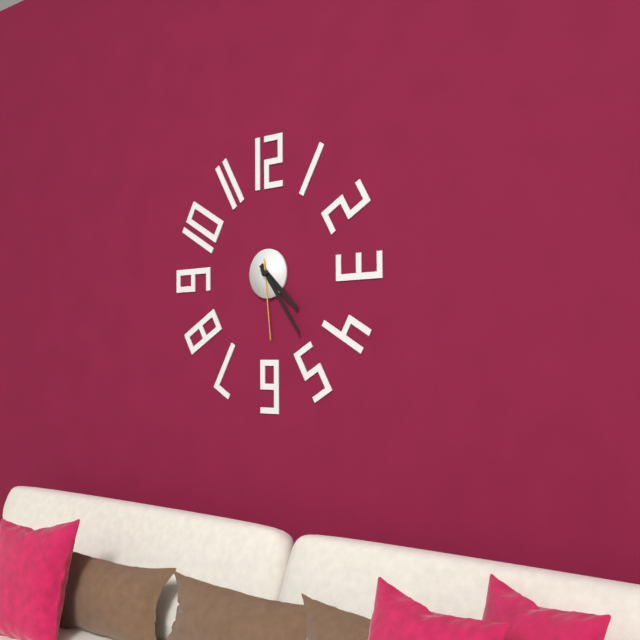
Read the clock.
4:24:29
